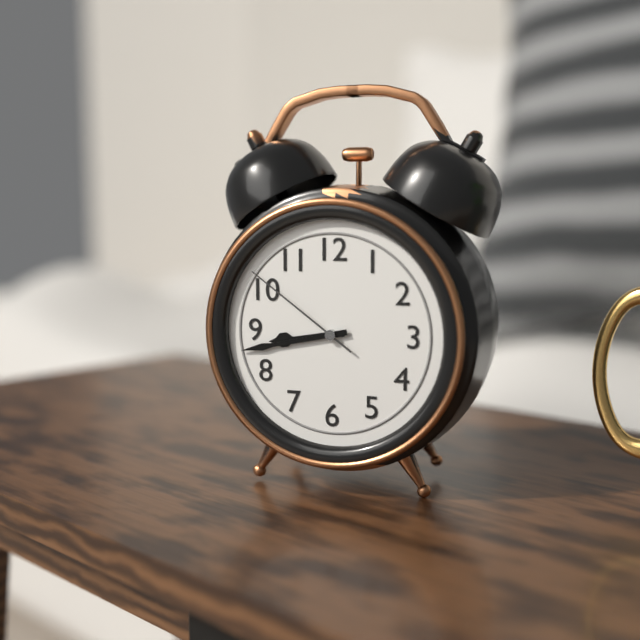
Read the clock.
8:43:51
